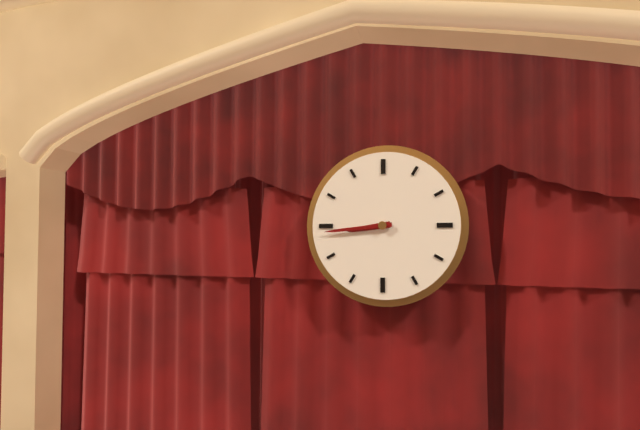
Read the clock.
8:44
